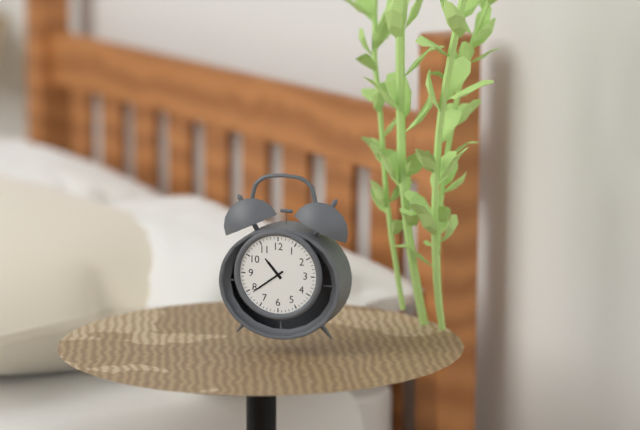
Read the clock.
10:39
